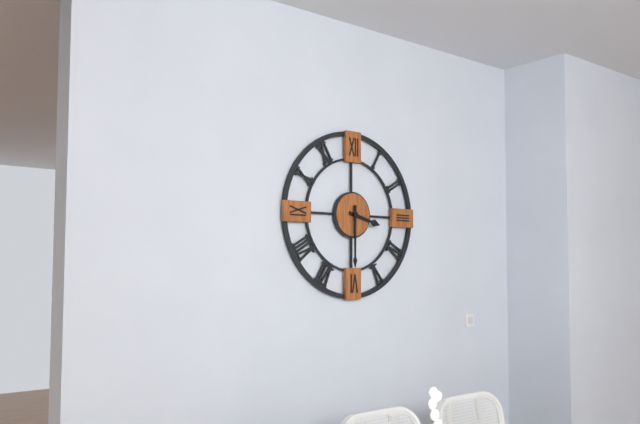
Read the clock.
3:30
